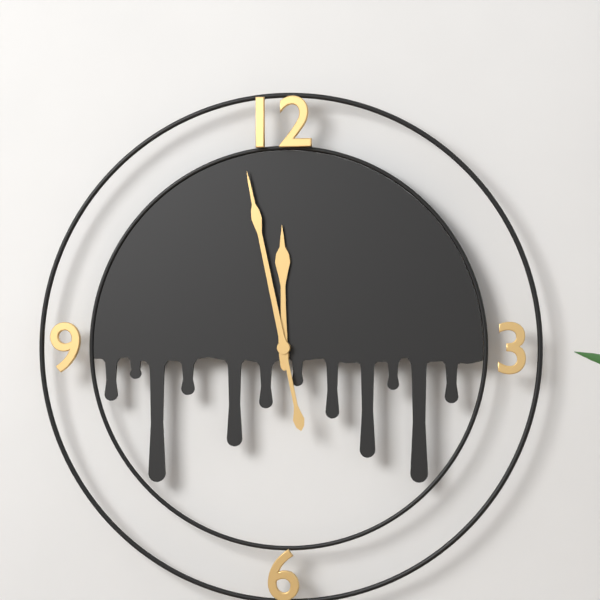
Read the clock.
11:58
